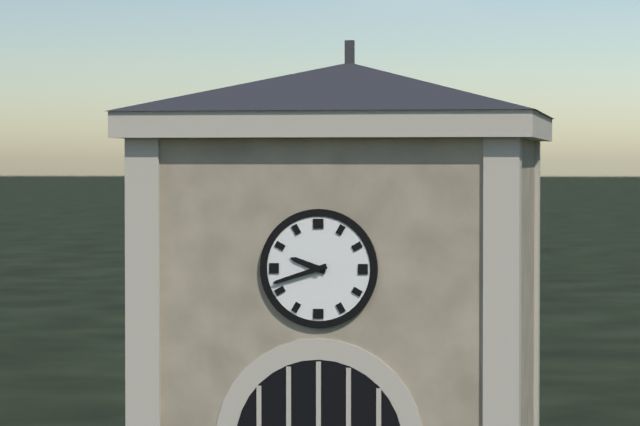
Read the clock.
9:42
